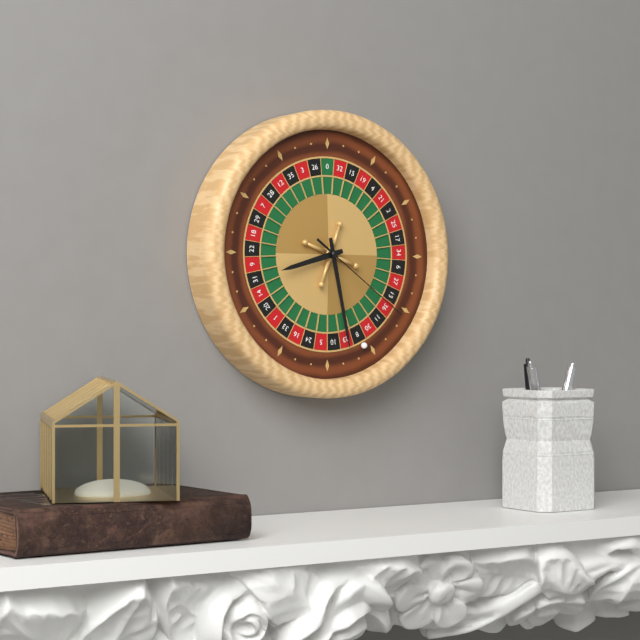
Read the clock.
8:28:21
